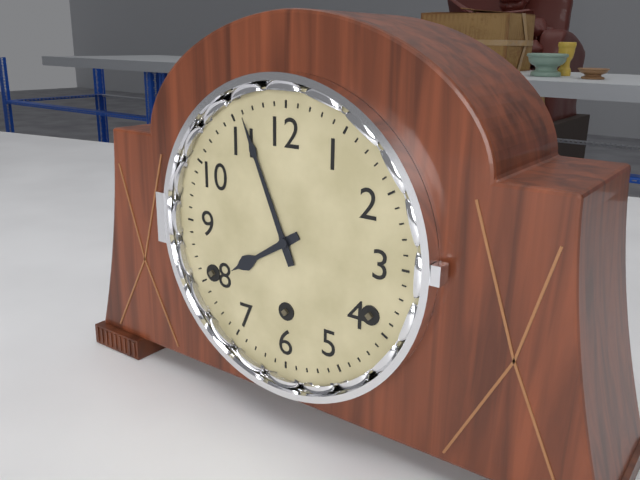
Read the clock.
7:56
